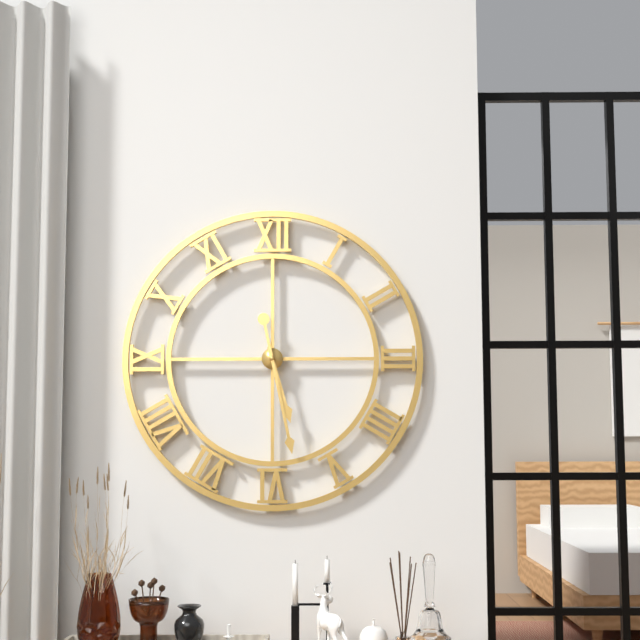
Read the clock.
5:28
